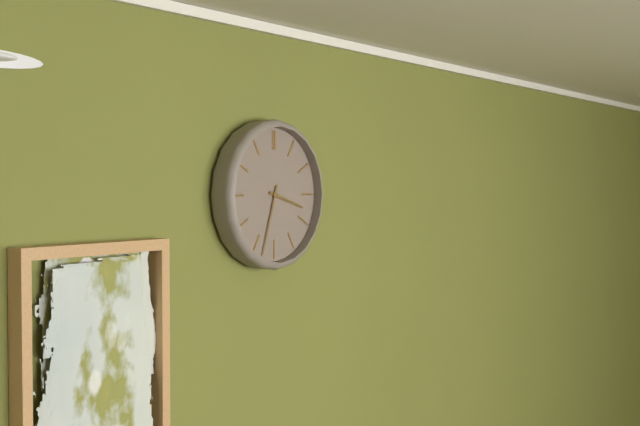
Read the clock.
3:33
